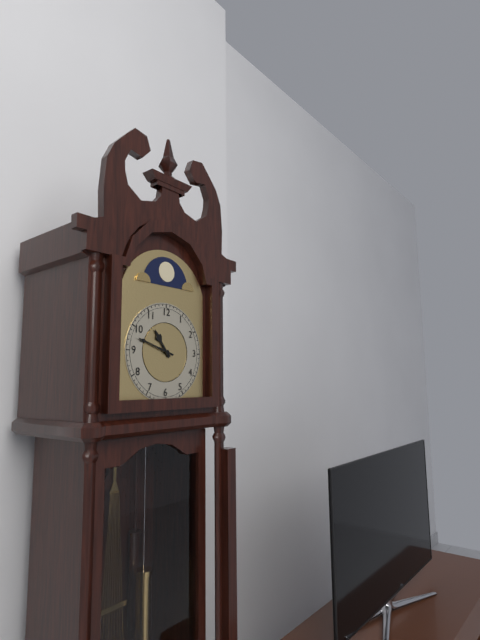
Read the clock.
10:48
